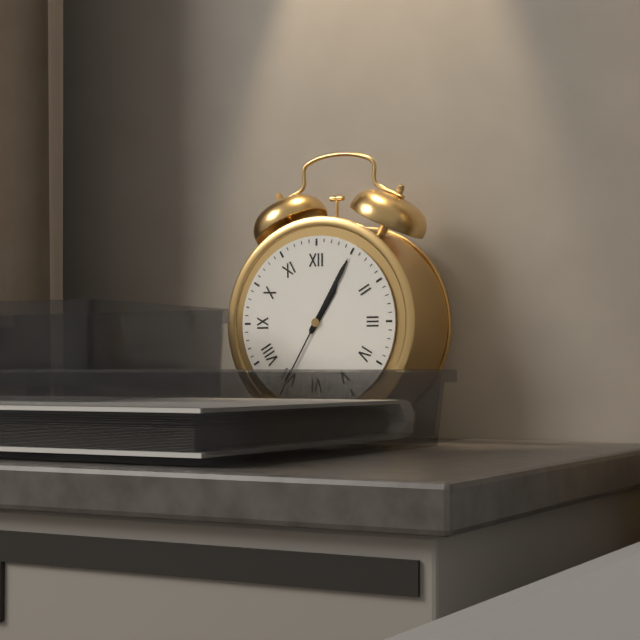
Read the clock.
1:05
